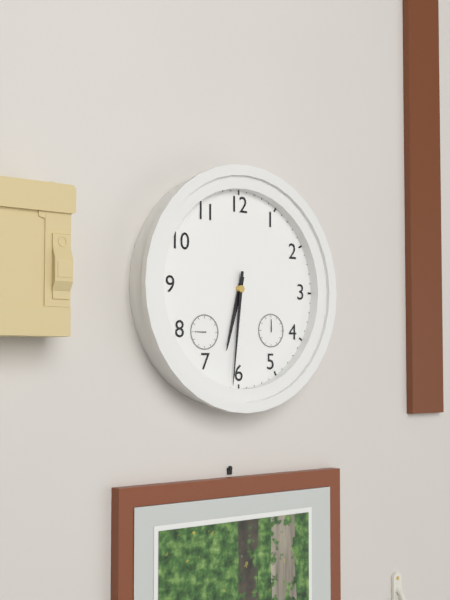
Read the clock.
6:31
